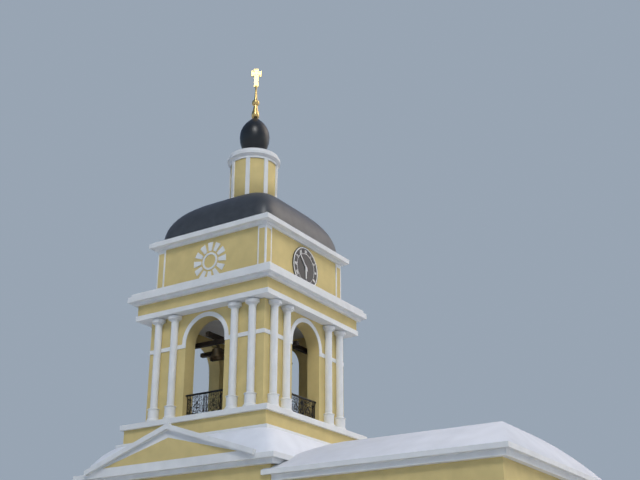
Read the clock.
5:53
